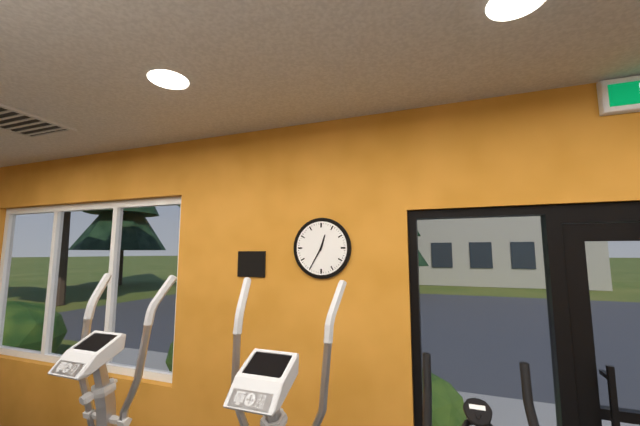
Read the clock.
12:35
